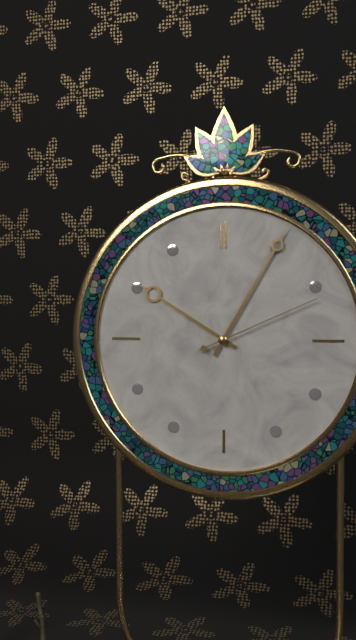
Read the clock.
10:05:11
